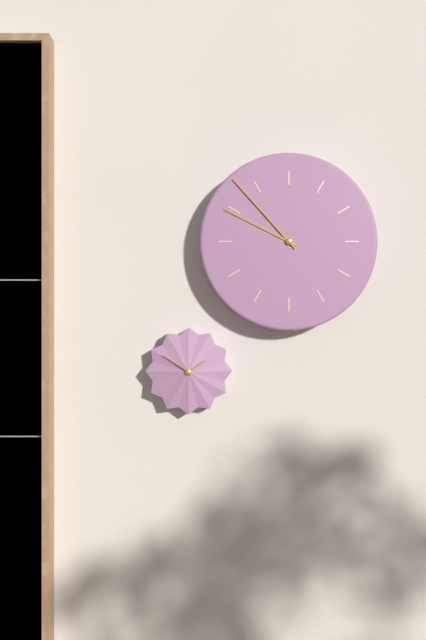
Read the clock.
9:53
